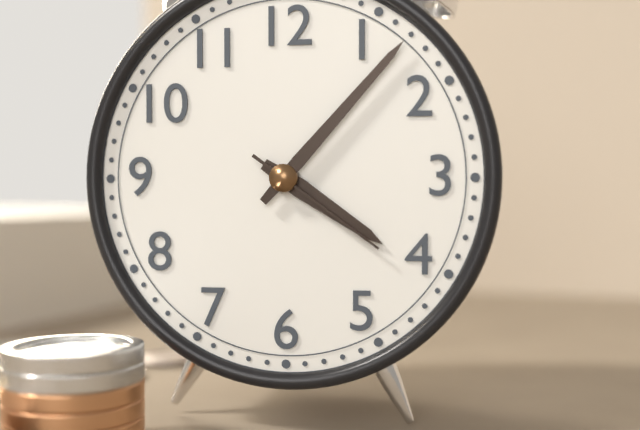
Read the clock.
4:07:21
